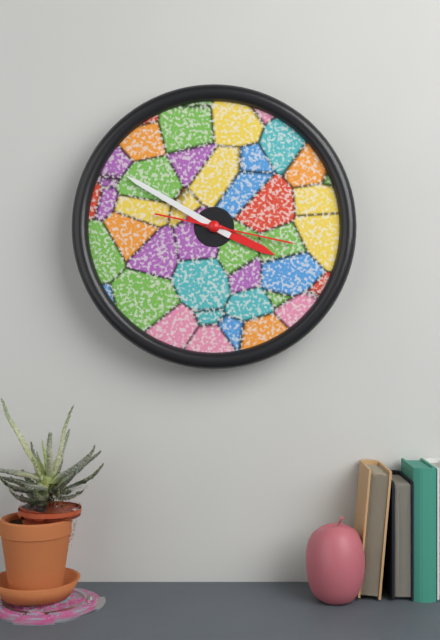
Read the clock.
3:50:17
